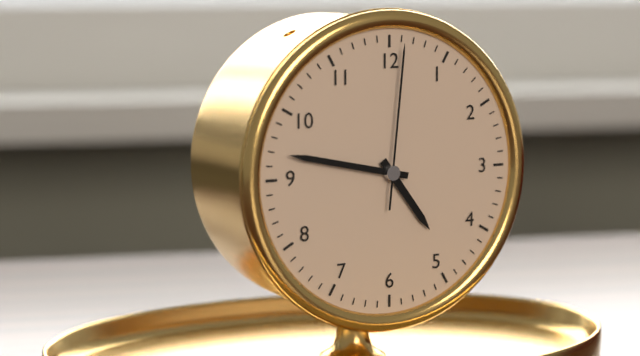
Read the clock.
4:47:01
